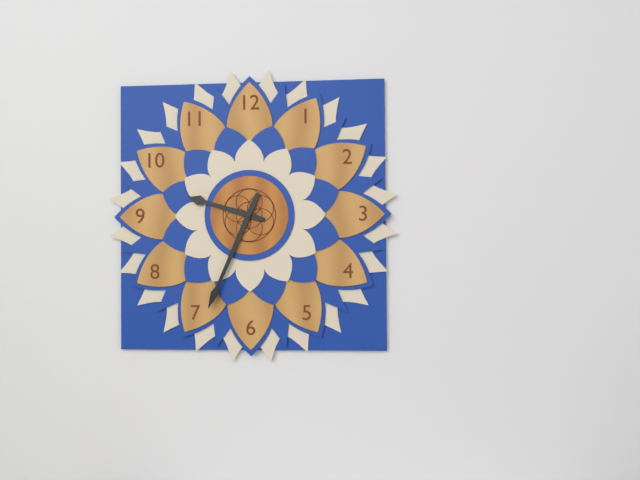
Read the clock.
9:34
